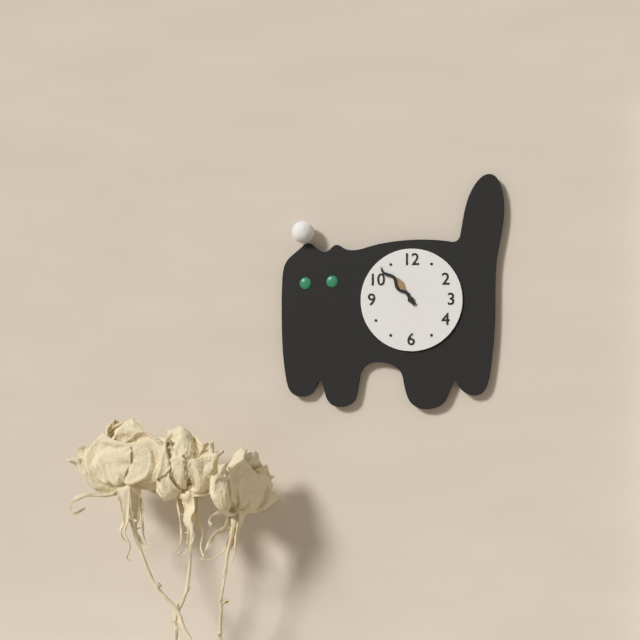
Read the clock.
10:53
